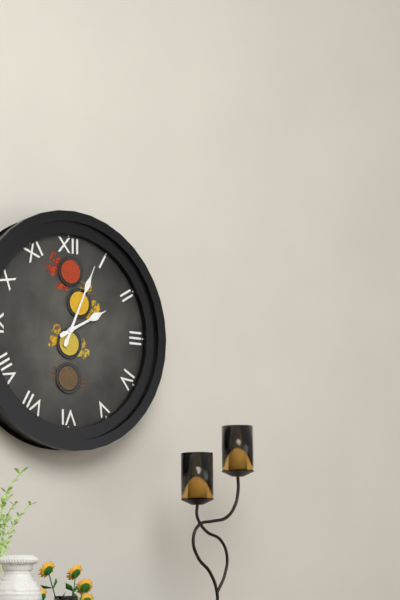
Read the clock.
2:04
